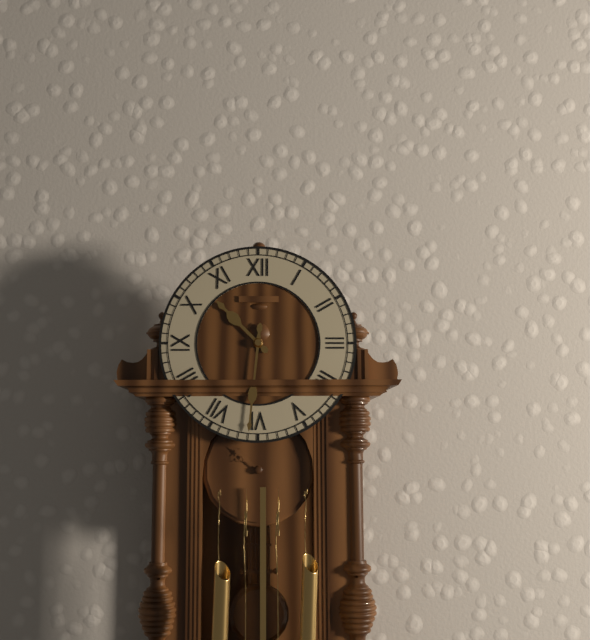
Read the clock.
10:31
